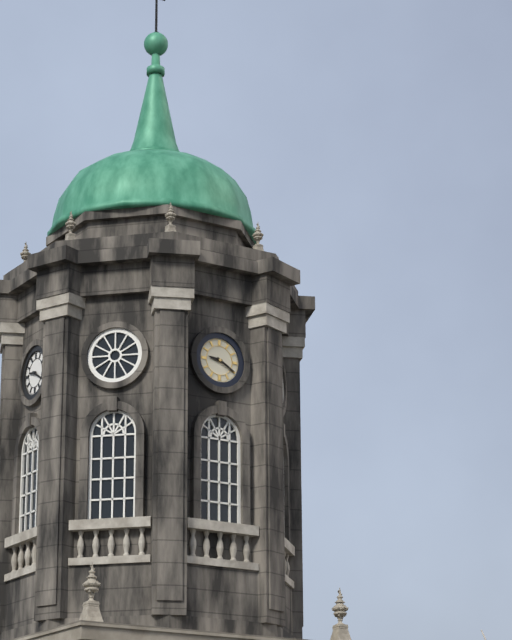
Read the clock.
9:20
